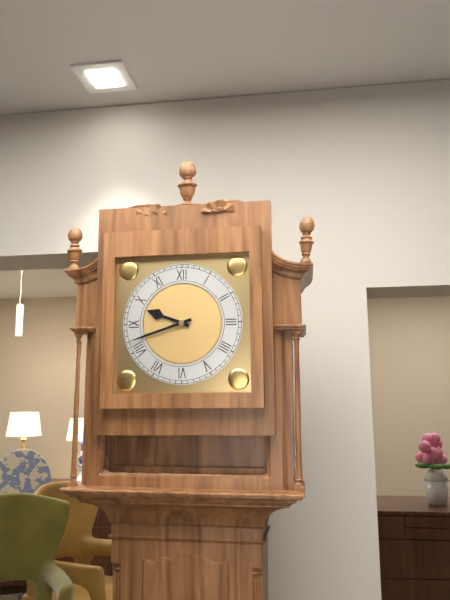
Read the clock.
9:42
